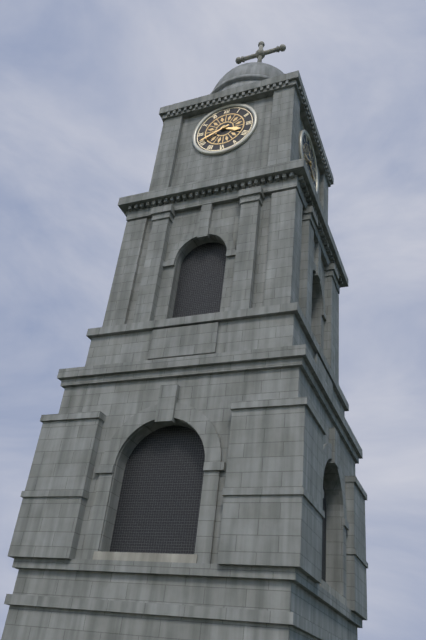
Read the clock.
3:41
